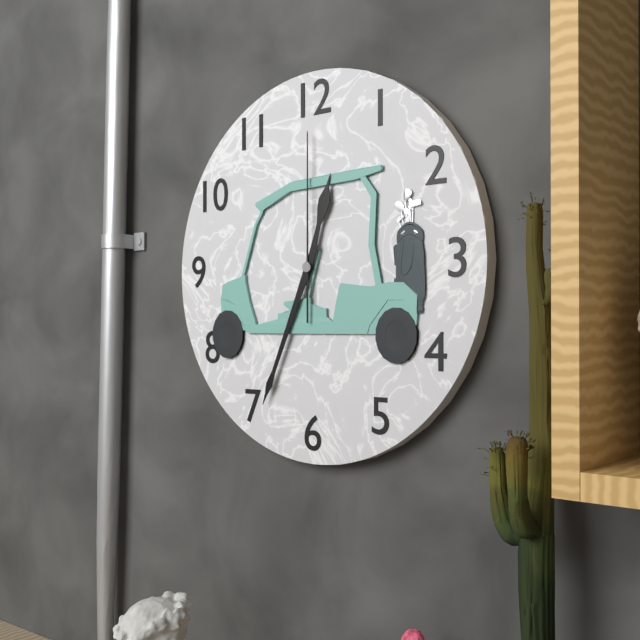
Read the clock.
12:34:00
